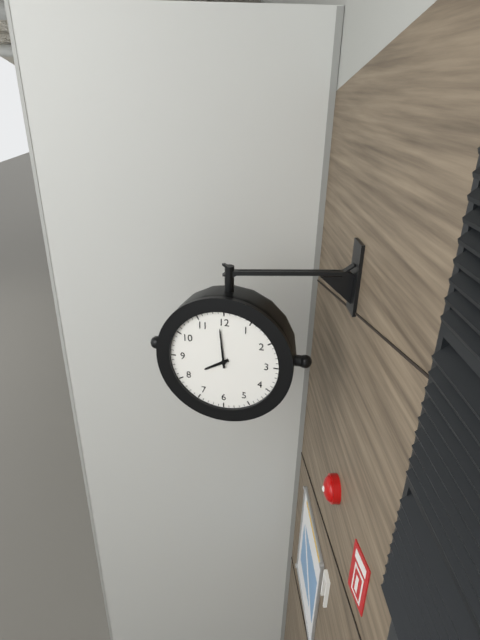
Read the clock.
7:59
